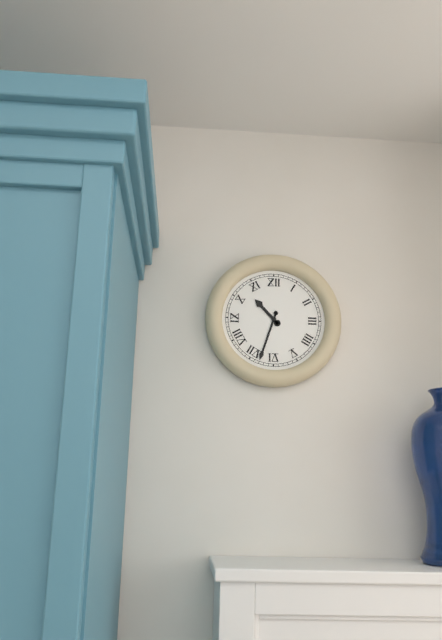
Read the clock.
10:33
